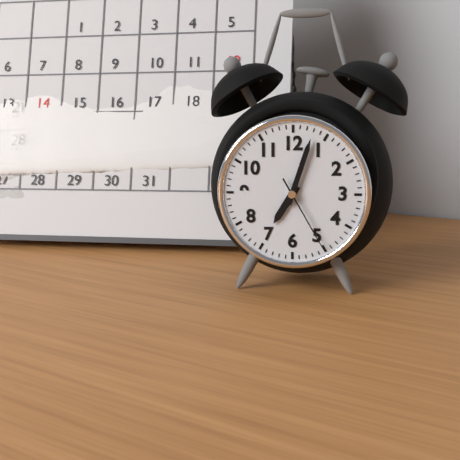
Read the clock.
7:03:25
